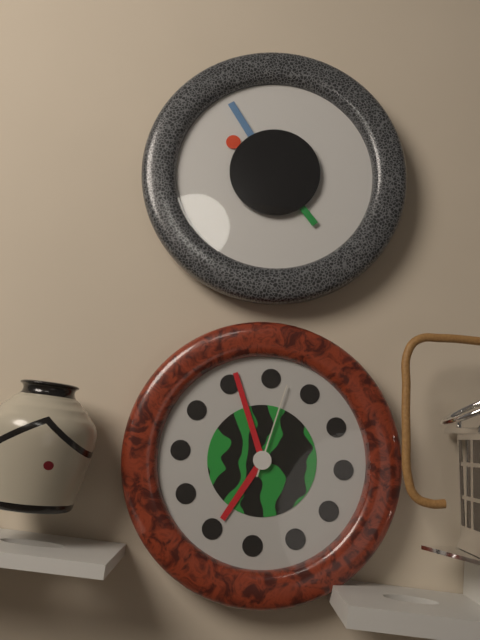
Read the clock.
6:56:02
